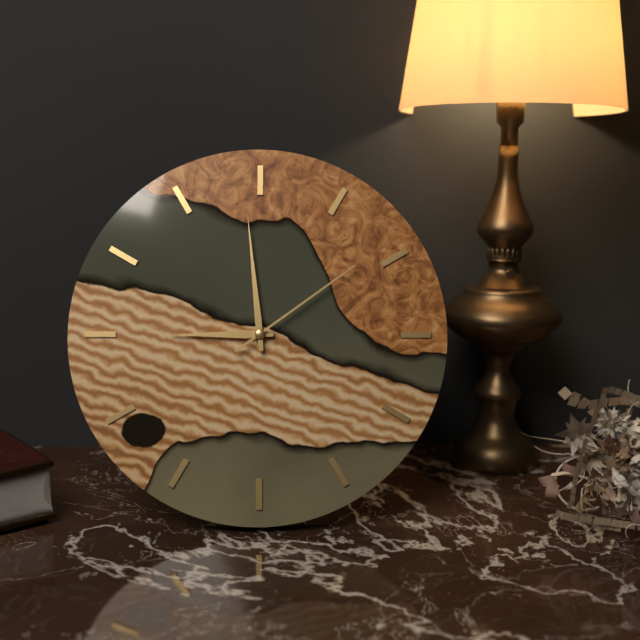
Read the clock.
8:59:09
